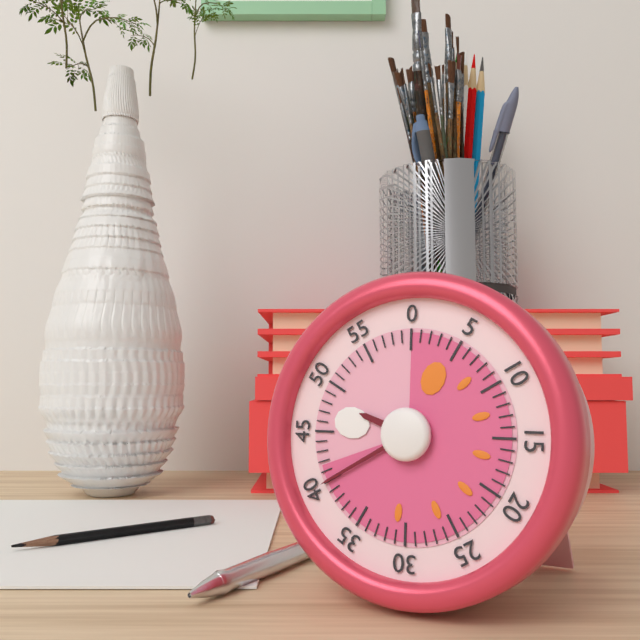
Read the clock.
9:40
